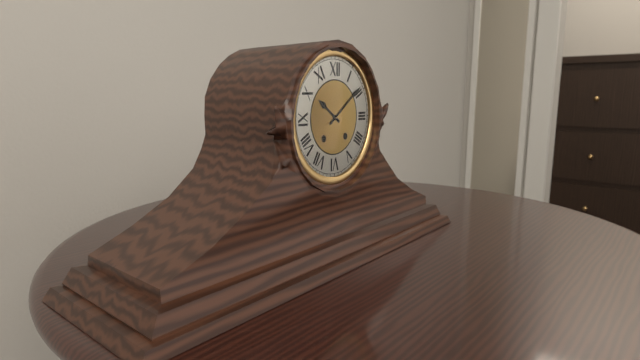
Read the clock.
10:09
